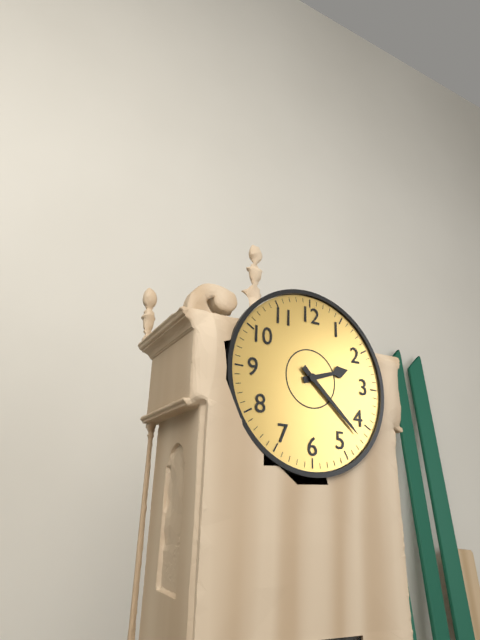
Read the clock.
2:22
